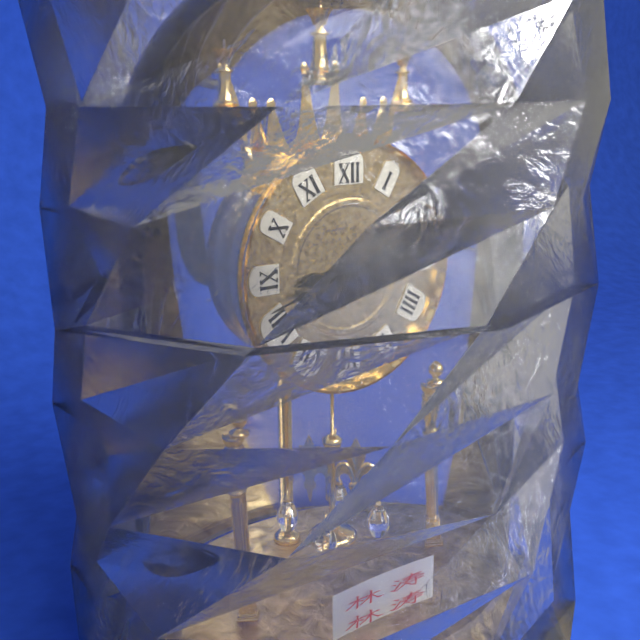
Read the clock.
8:42
